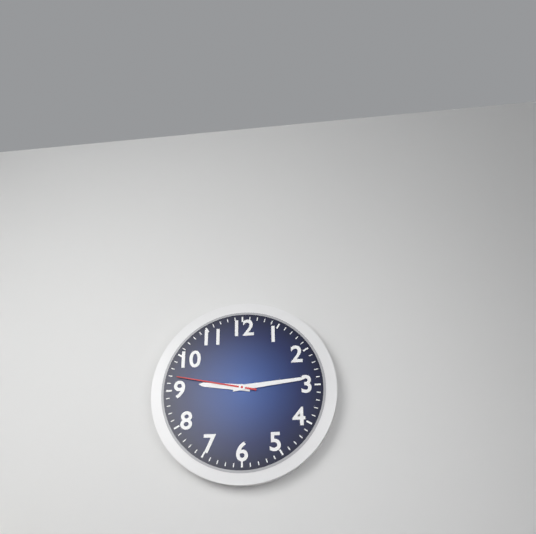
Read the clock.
9:14:47
